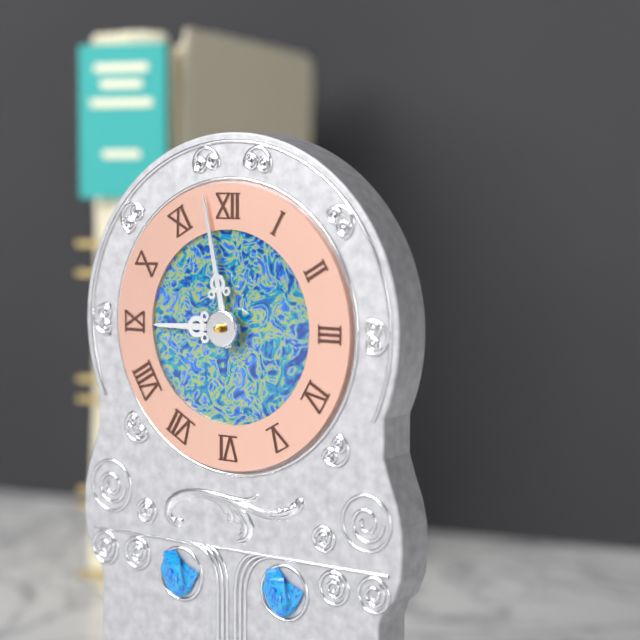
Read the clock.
8:58
